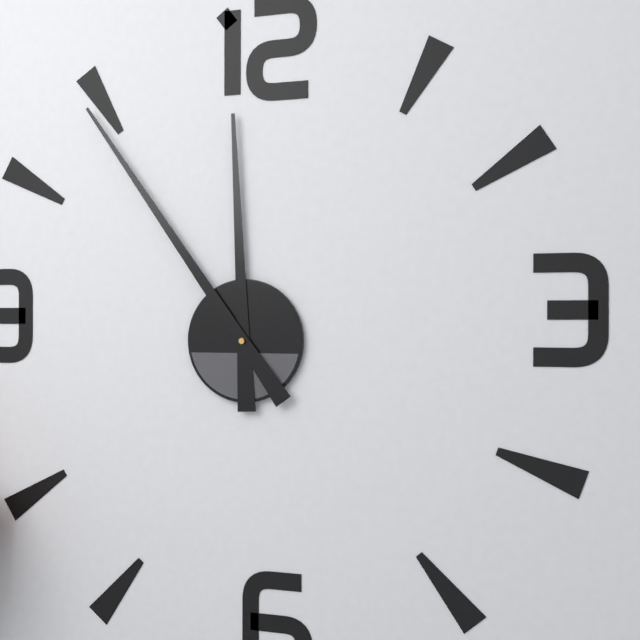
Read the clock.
11:54
